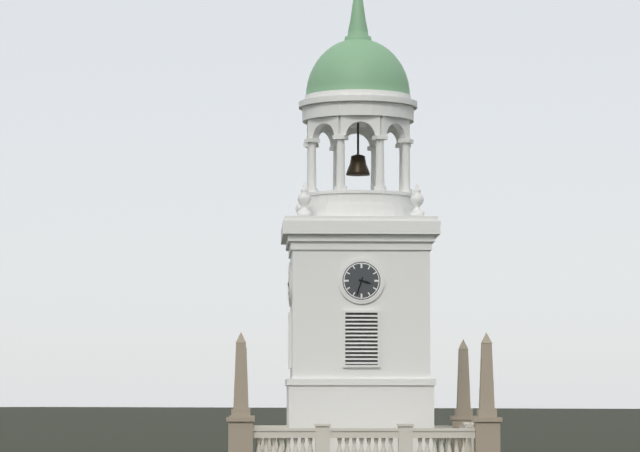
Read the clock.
3:33
